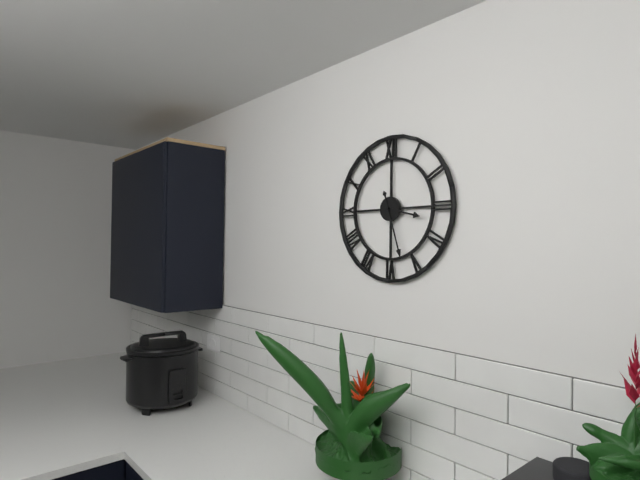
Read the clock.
3:27
